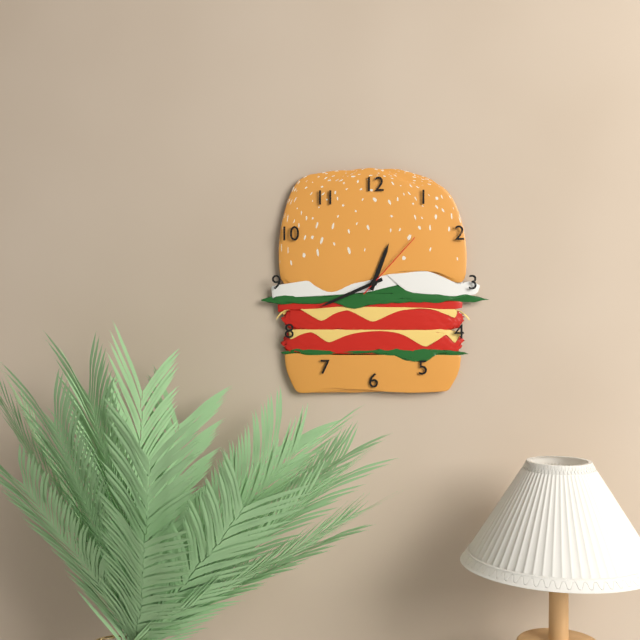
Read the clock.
12:41:07
